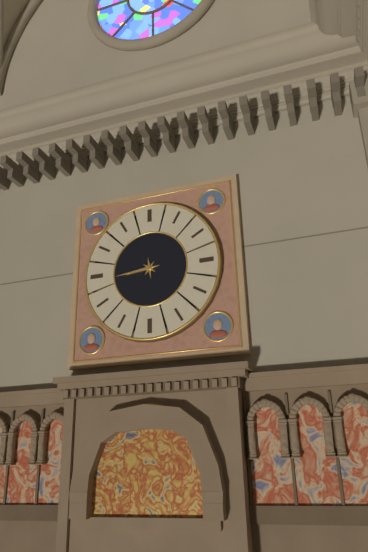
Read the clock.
8:44
